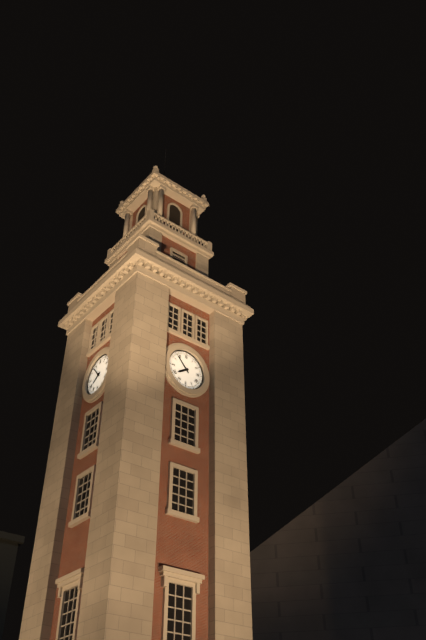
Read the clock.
7:53
